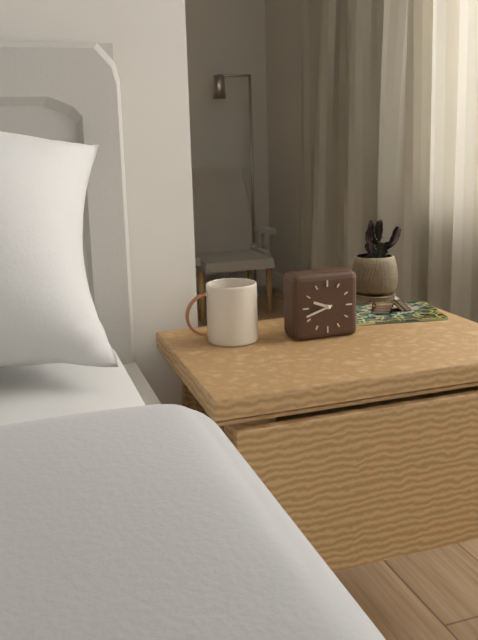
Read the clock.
9:42
